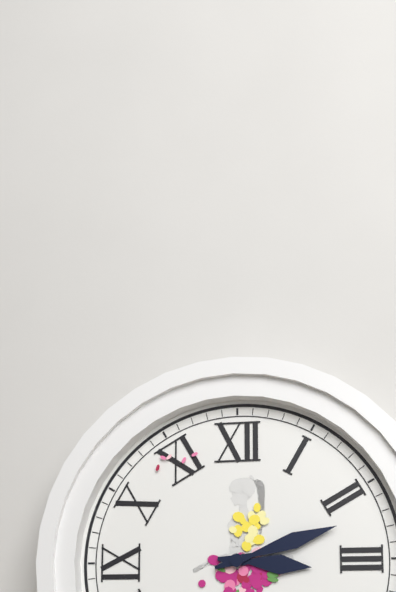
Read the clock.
3:12
